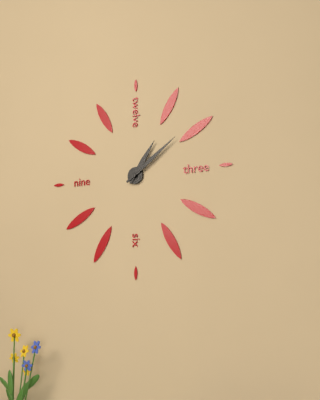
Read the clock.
1:09
